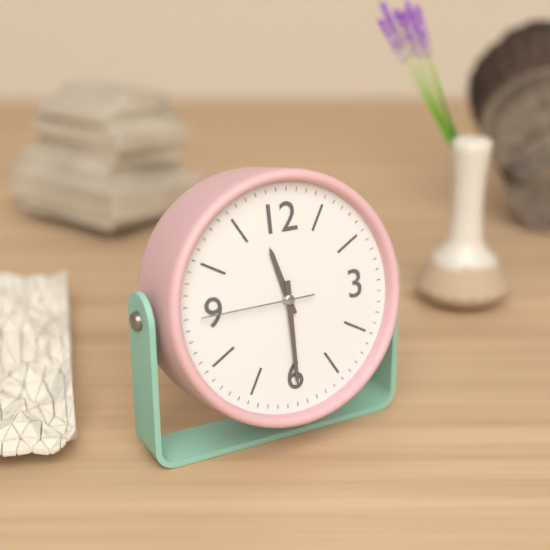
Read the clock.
11:30:45
